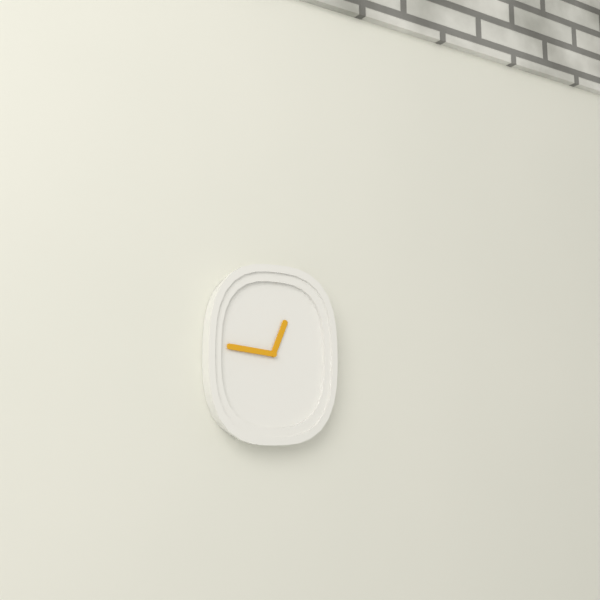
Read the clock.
12:46
